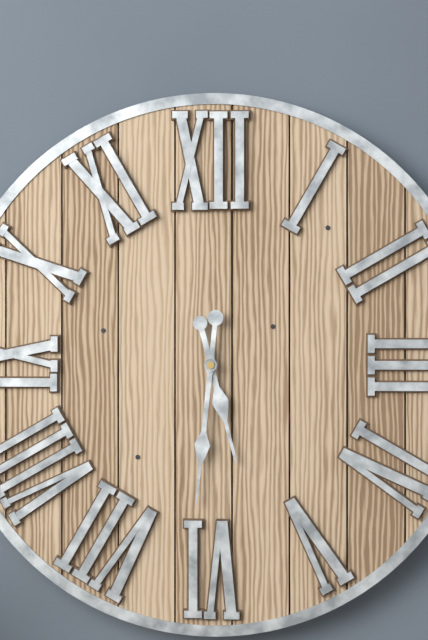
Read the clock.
5:31
